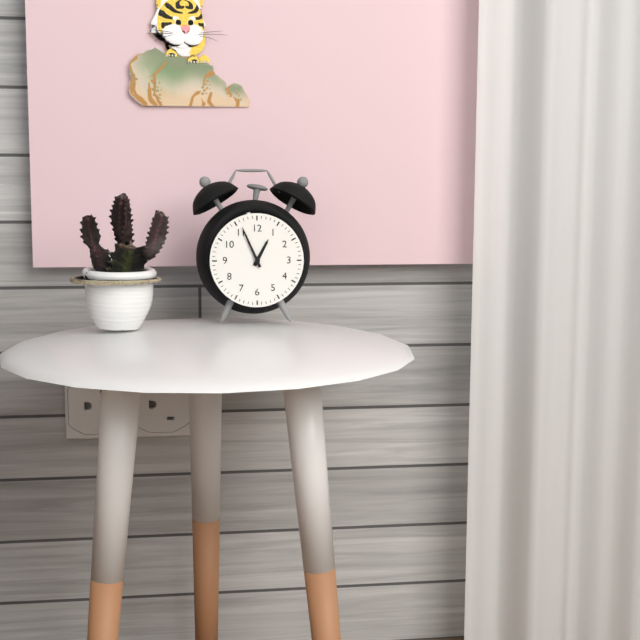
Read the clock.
12:56
